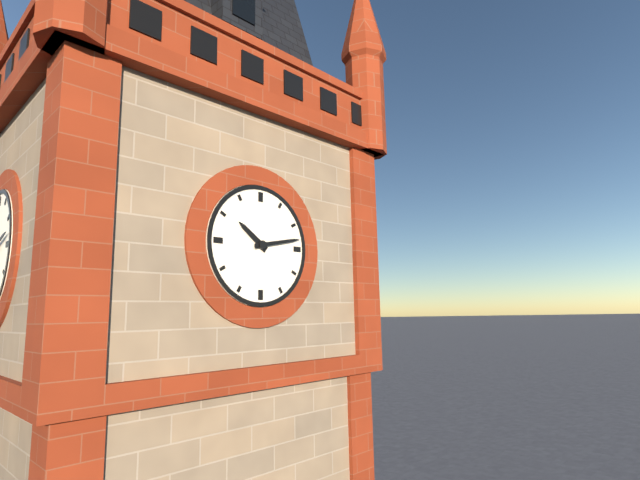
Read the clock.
10:13
